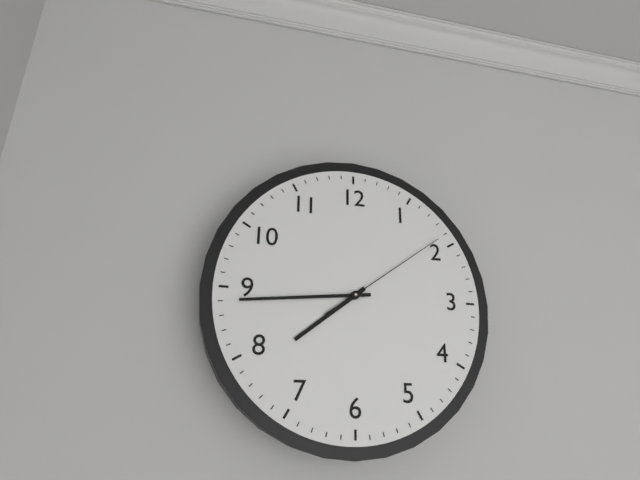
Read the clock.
7:44:09
